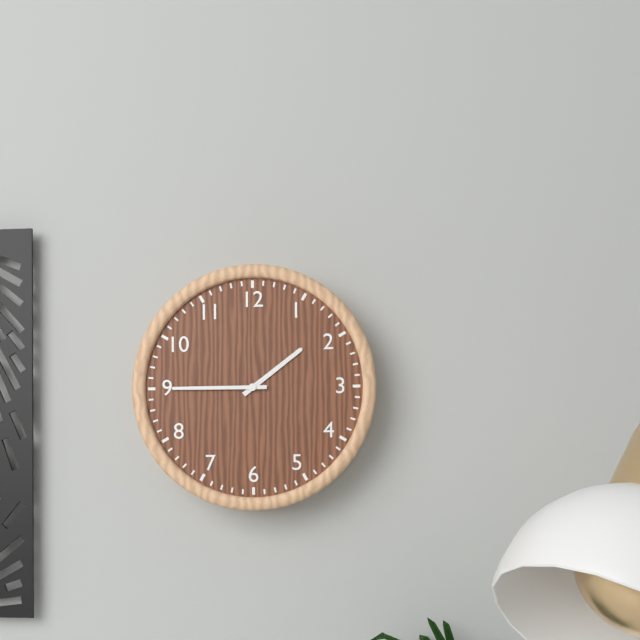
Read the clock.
1:45
